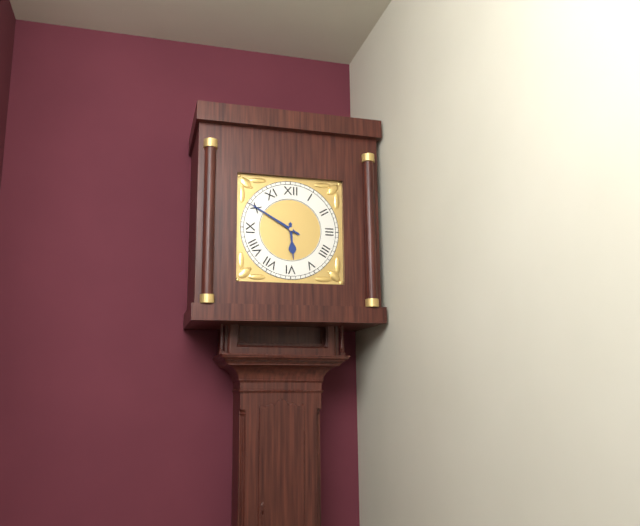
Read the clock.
5:50
